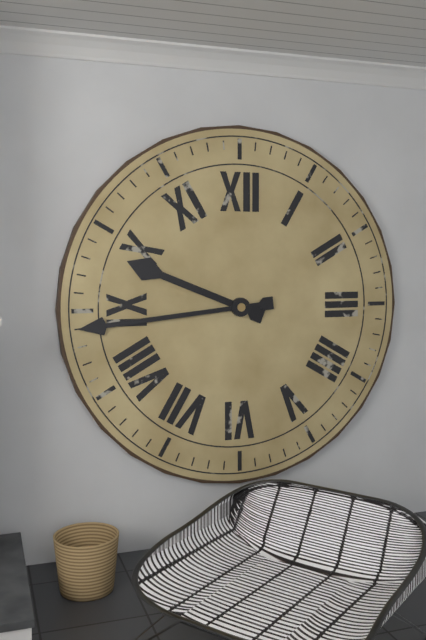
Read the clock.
9:44
